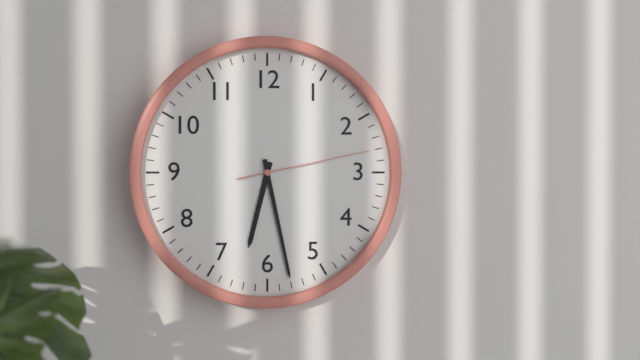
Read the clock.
6:28:13
